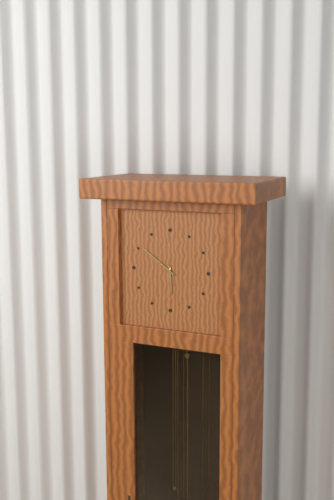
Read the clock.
5:51
